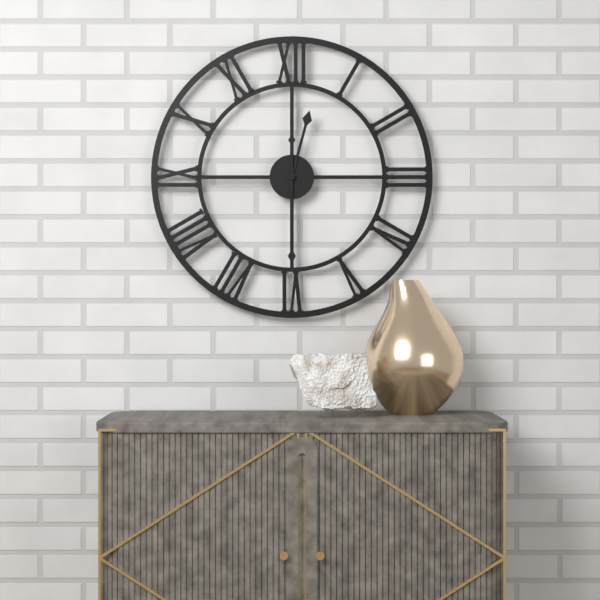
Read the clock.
12:30
